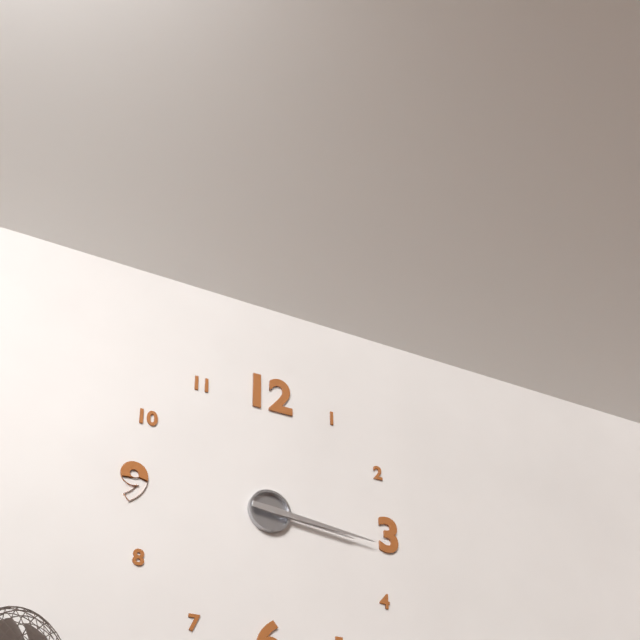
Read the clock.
3:16
